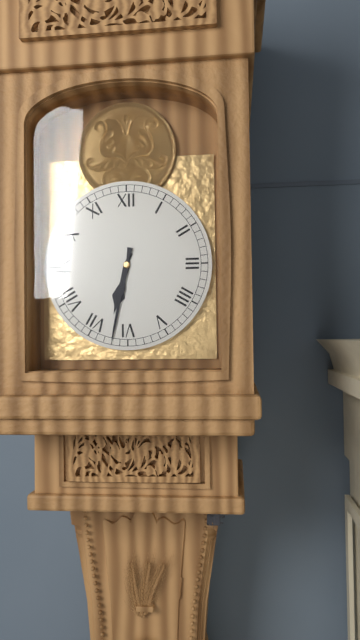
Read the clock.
6:32
